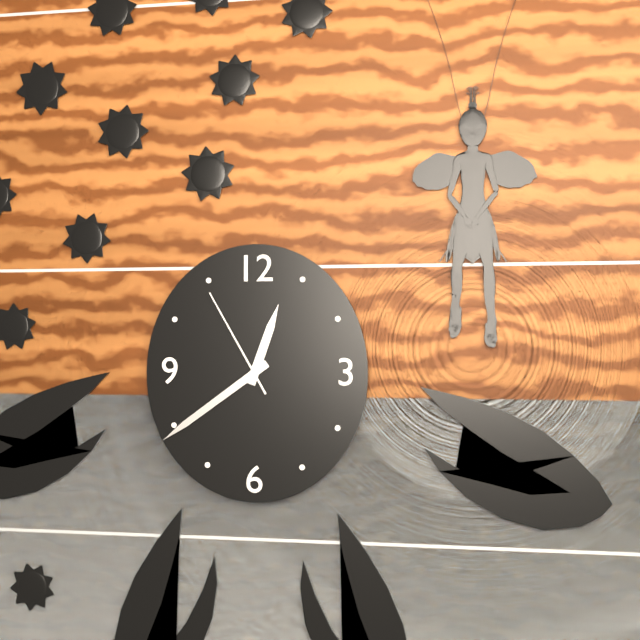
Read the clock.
12:39:55
